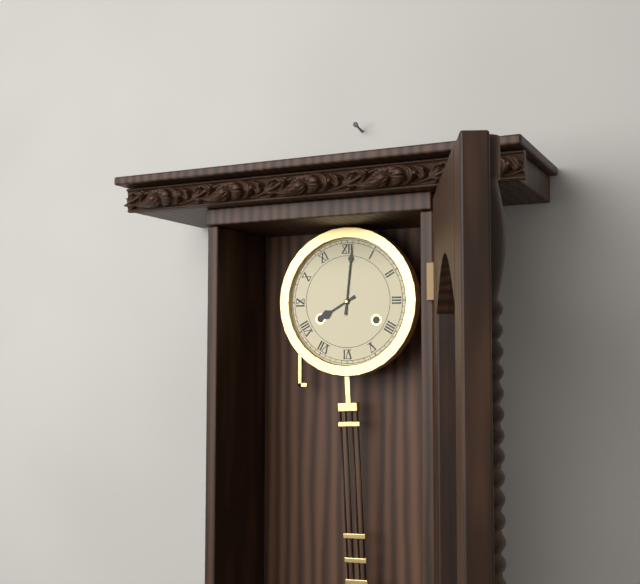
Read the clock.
8:01
